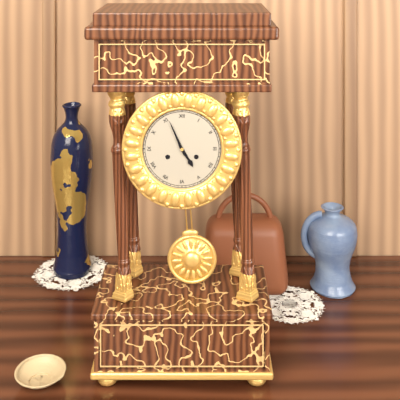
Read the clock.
4:56
